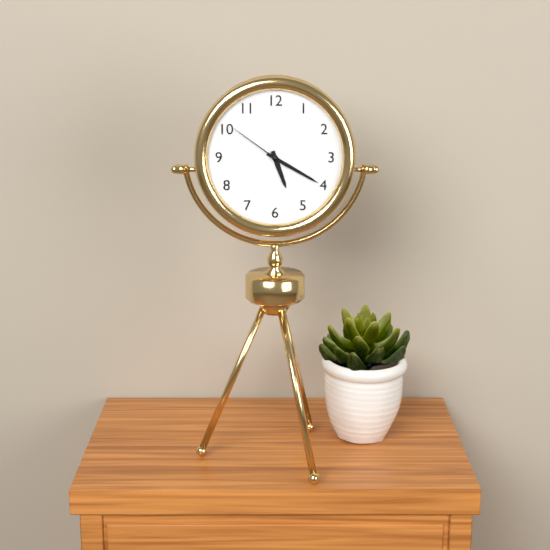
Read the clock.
5:20:51
